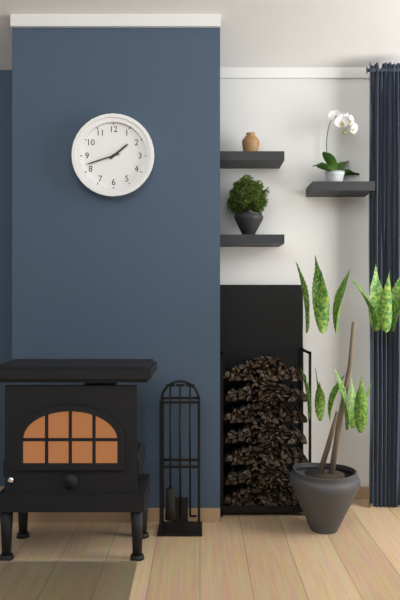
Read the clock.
1:42
